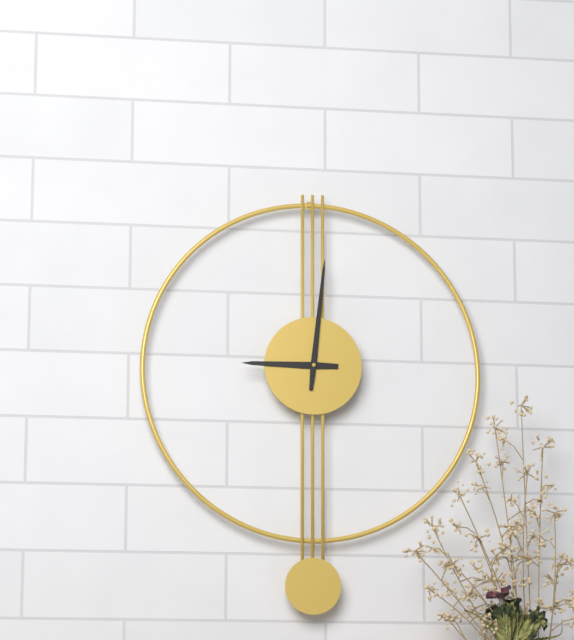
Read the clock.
9:01
